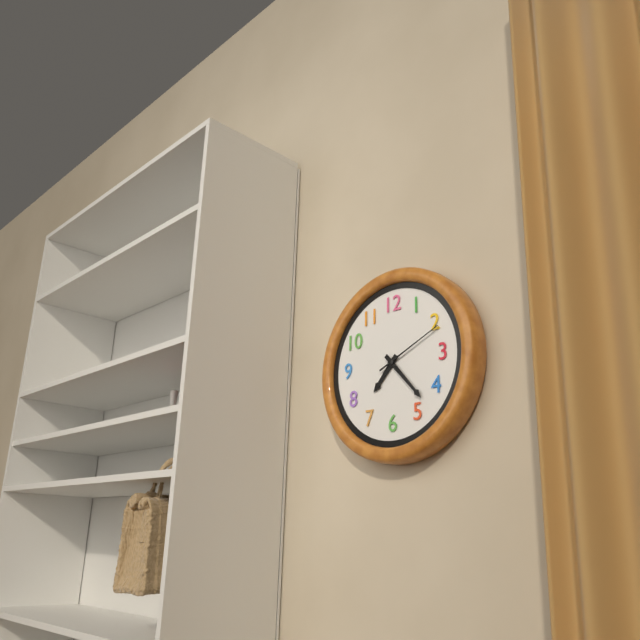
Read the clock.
7:23:11
